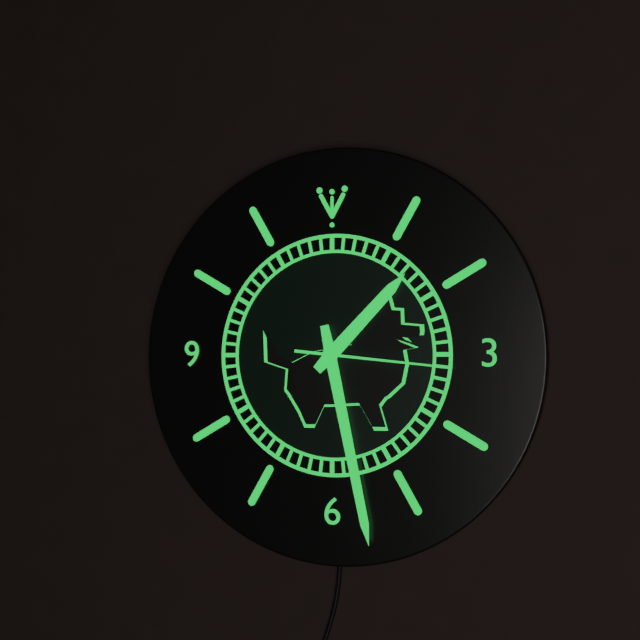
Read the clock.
1:28:16
